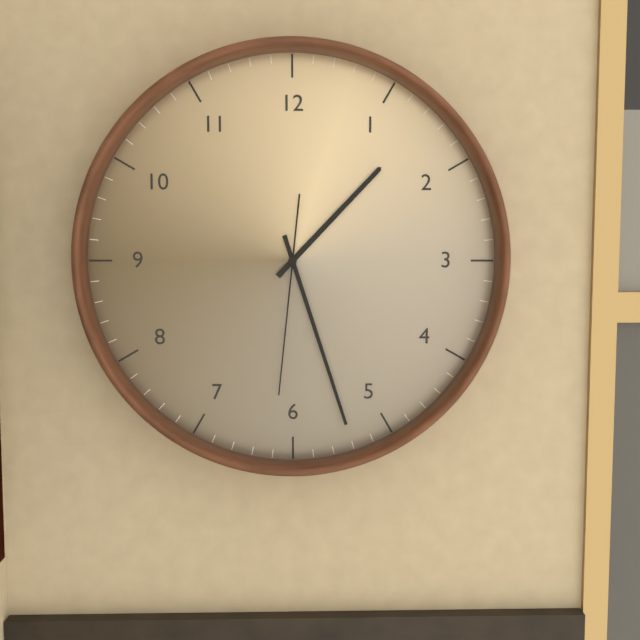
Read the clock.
1:27:31
